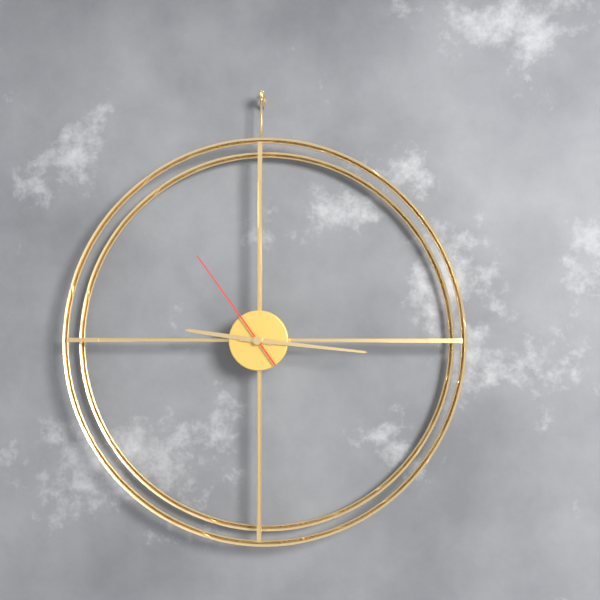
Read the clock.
9:16:54
